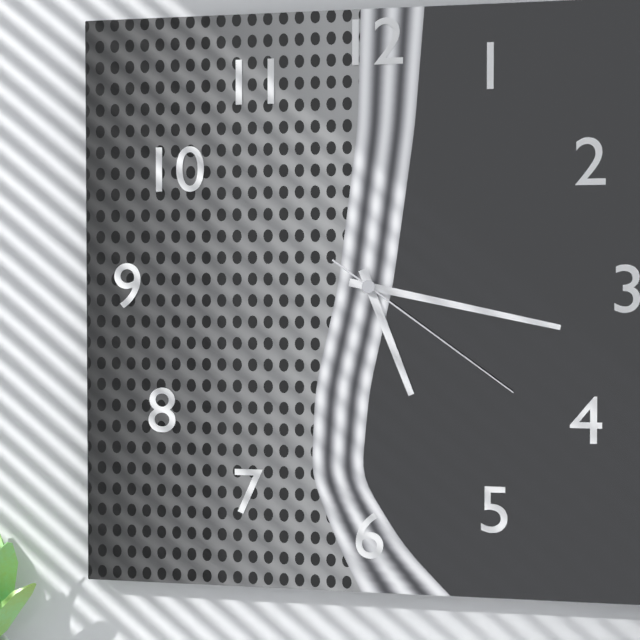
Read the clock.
5:17:21
